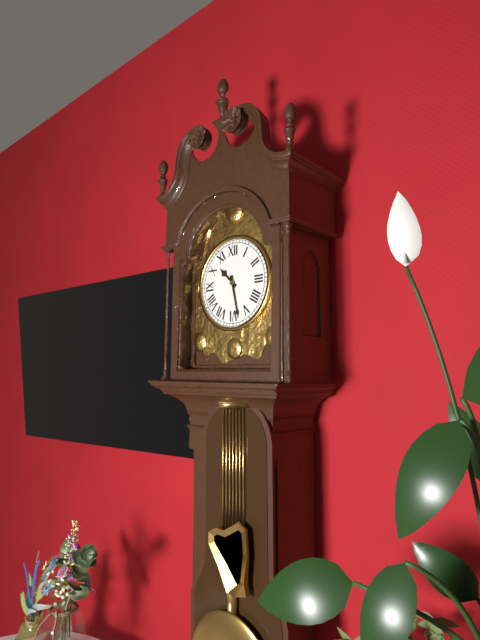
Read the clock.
10:28
